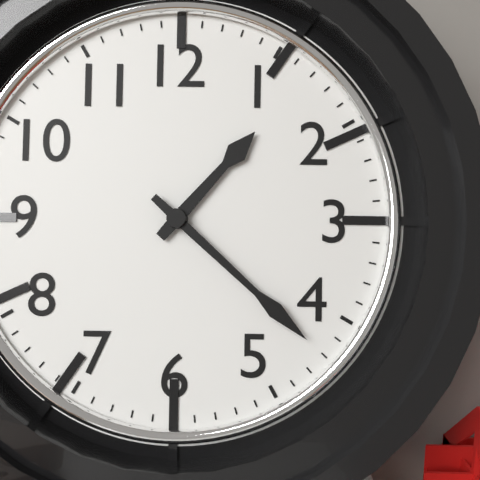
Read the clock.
1:22
